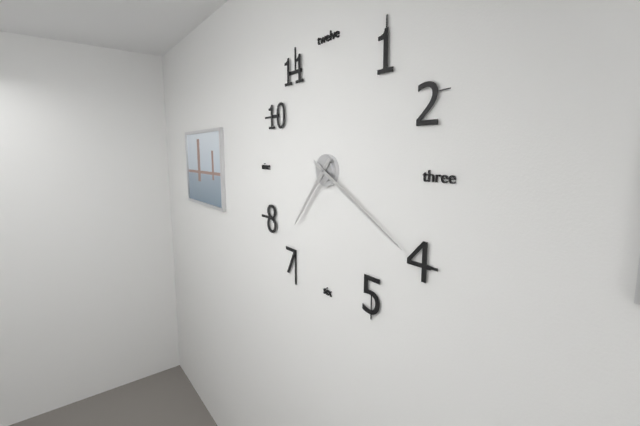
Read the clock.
7:20
